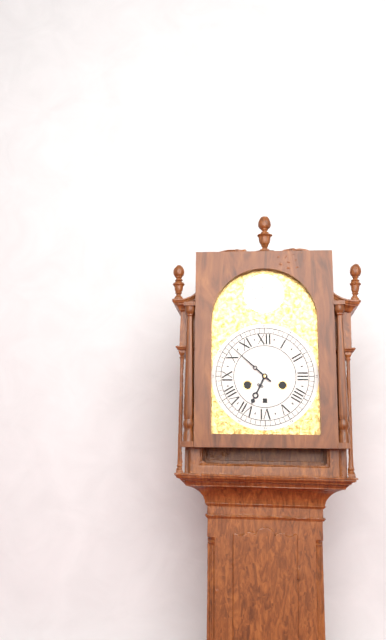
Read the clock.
6:52
